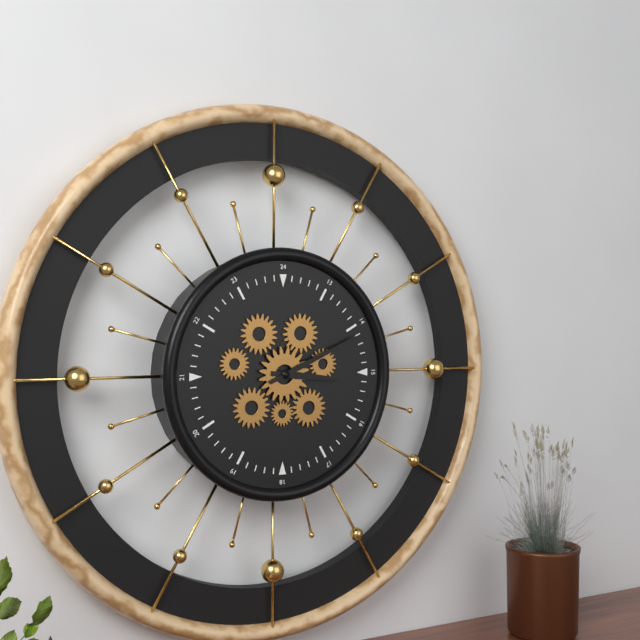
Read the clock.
3:11
